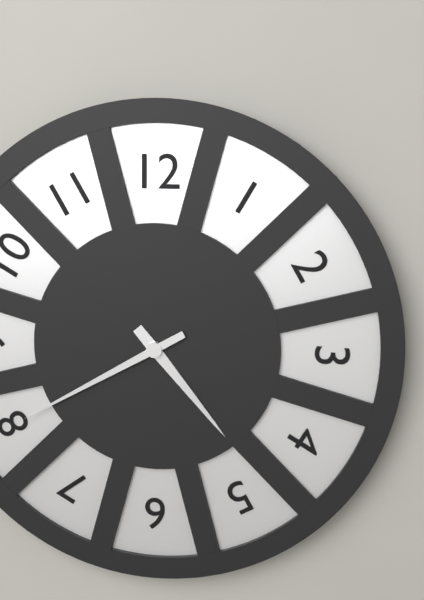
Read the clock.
4:40
